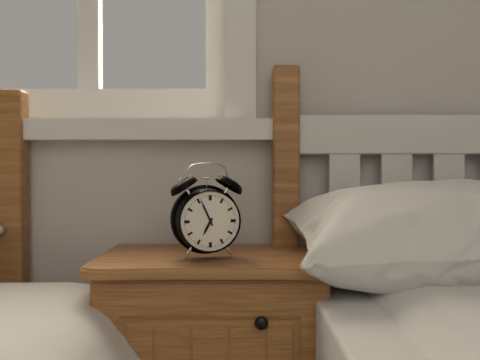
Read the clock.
6:56
